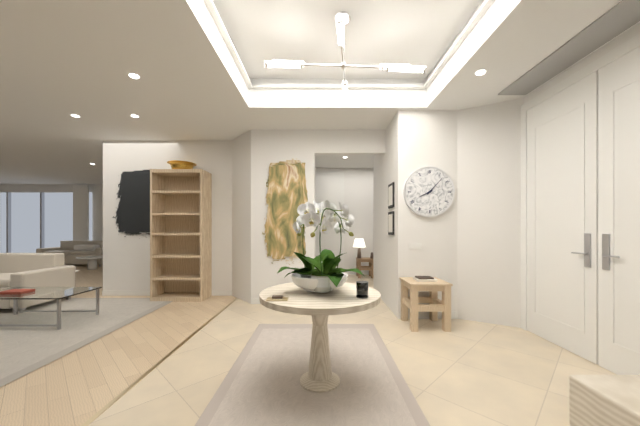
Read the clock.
8:07
